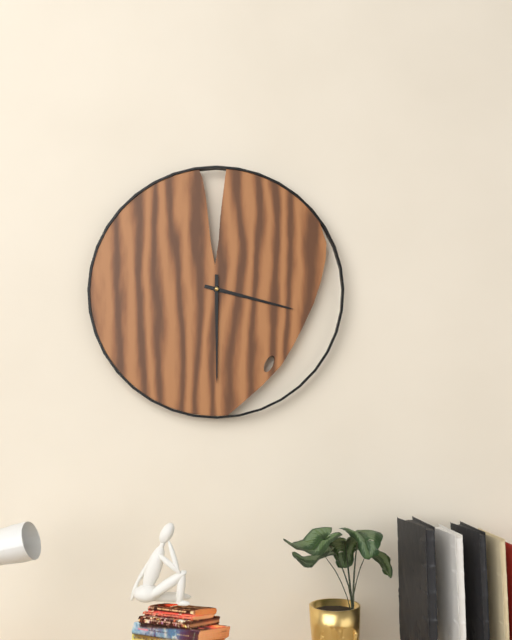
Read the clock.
3:30
